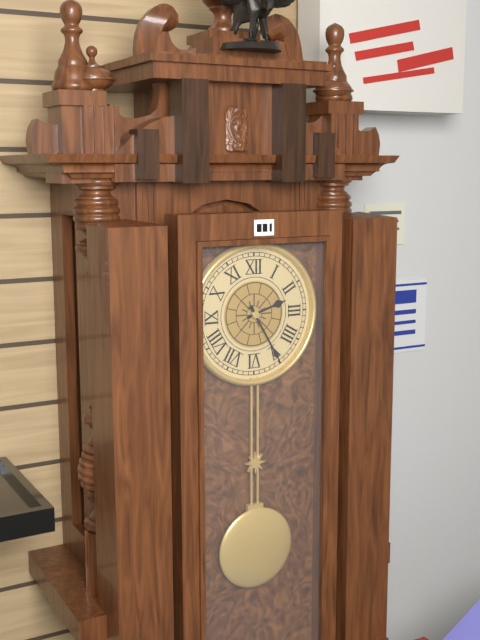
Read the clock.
2:25
